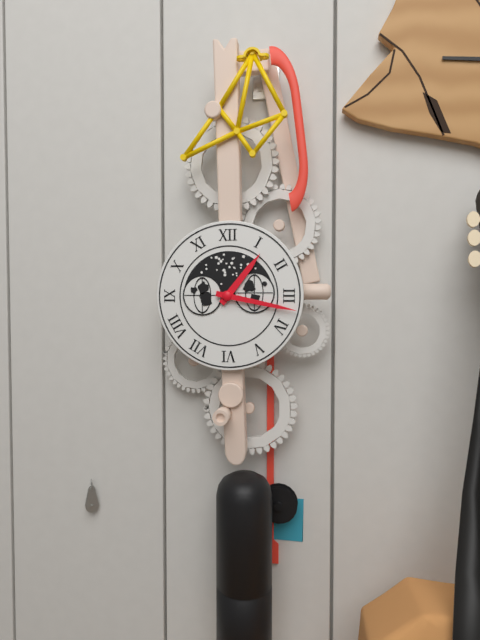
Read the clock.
1:17
